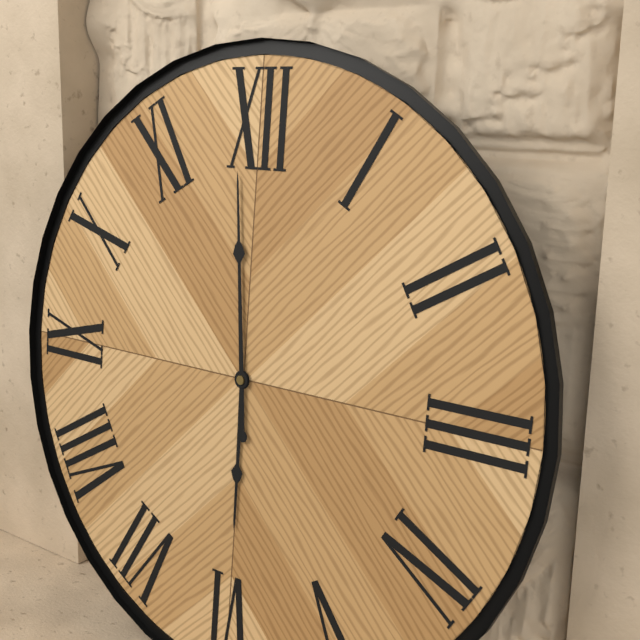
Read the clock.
5:59
